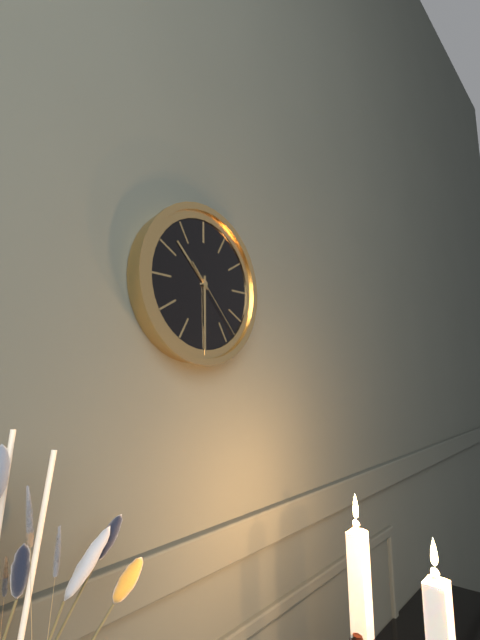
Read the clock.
10:30:23
